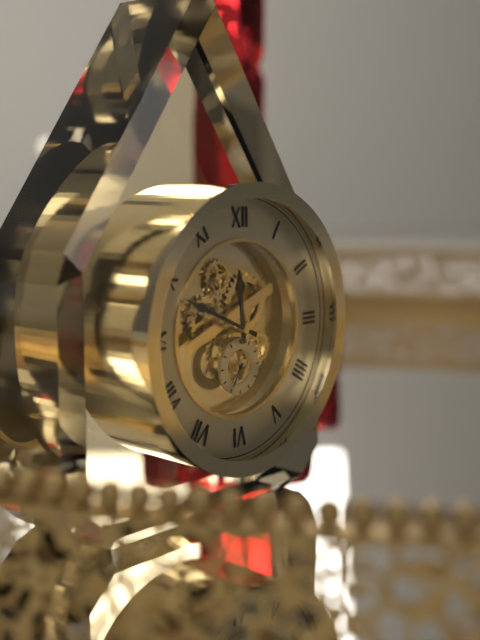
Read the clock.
11:49
